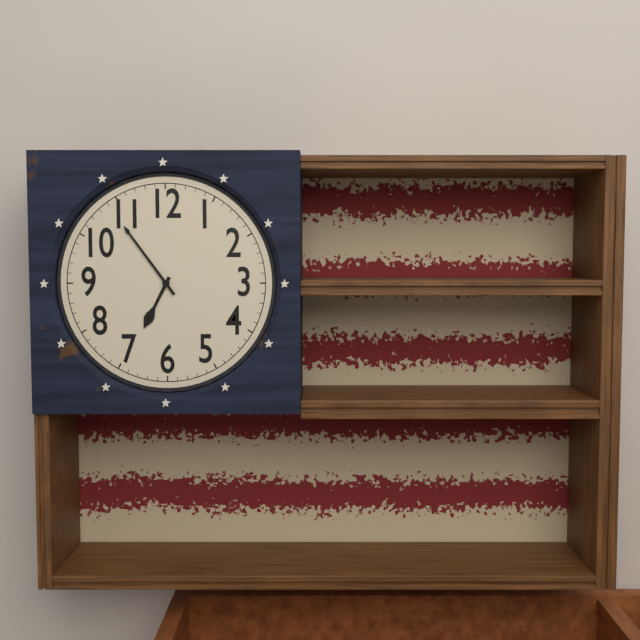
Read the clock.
6:54
